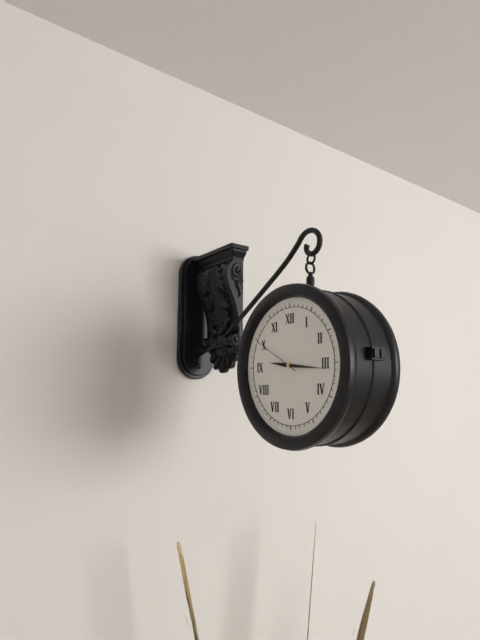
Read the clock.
9:16
